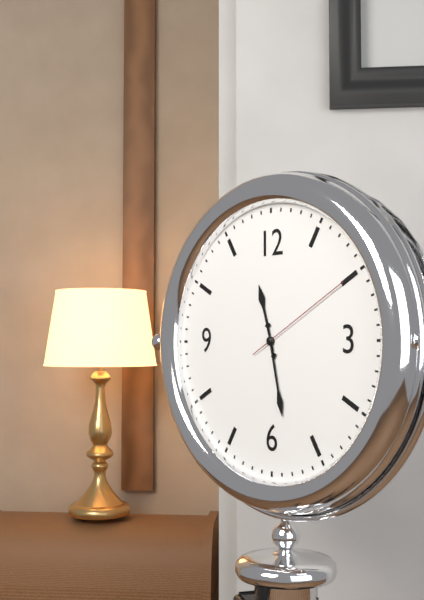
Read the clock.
11:28:10
